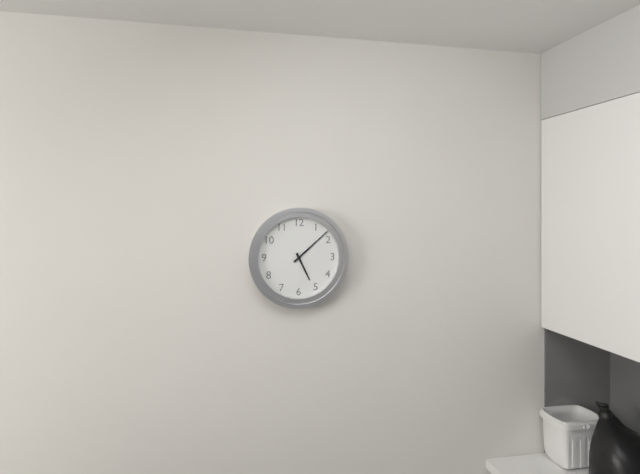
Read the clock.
5:08
